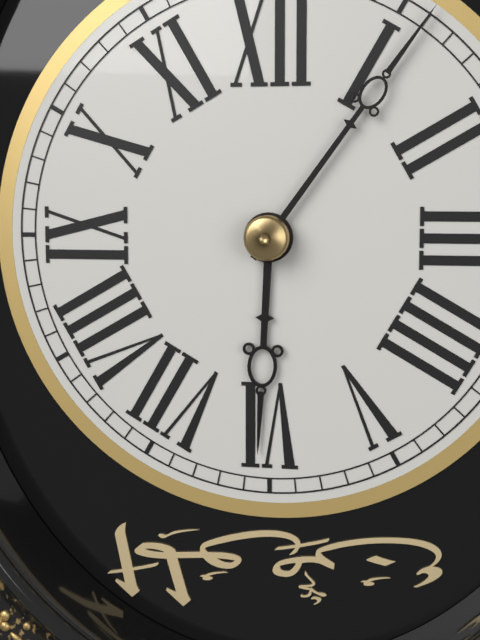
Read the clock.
6:06
